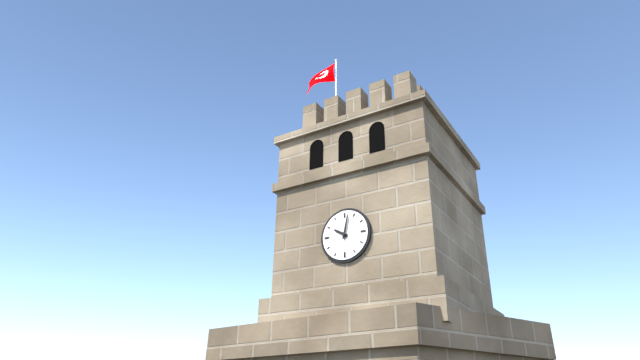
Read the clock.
10:02
